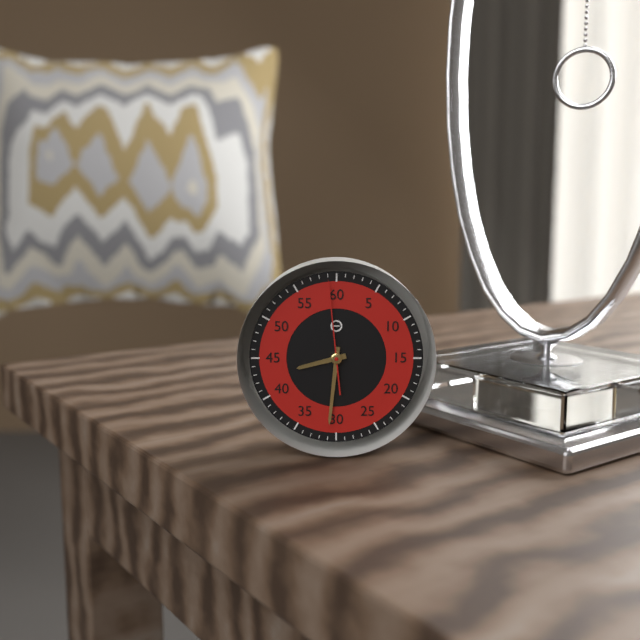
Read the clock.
8:31:59
